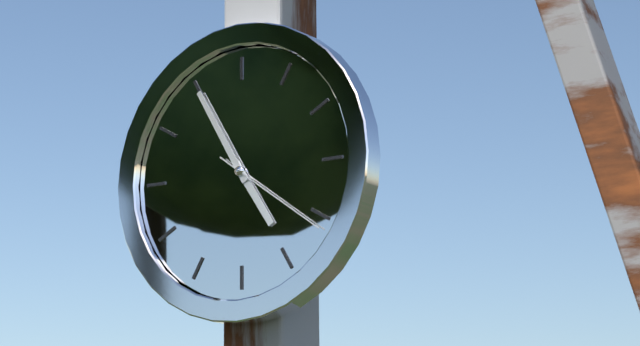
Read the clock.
4:55:21
